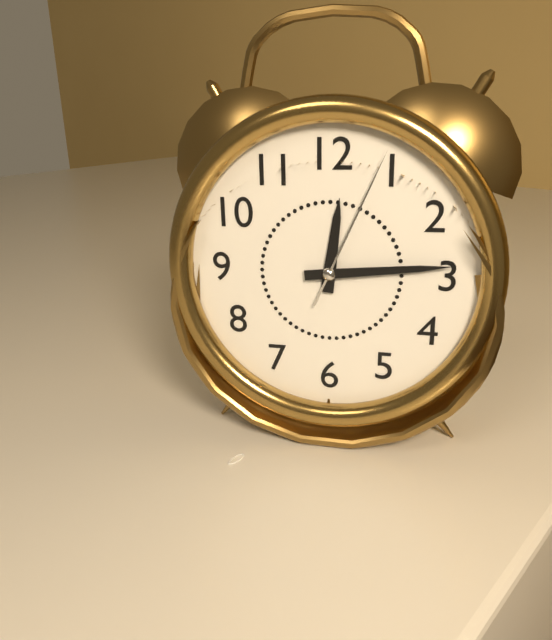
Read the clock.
12:14:04
